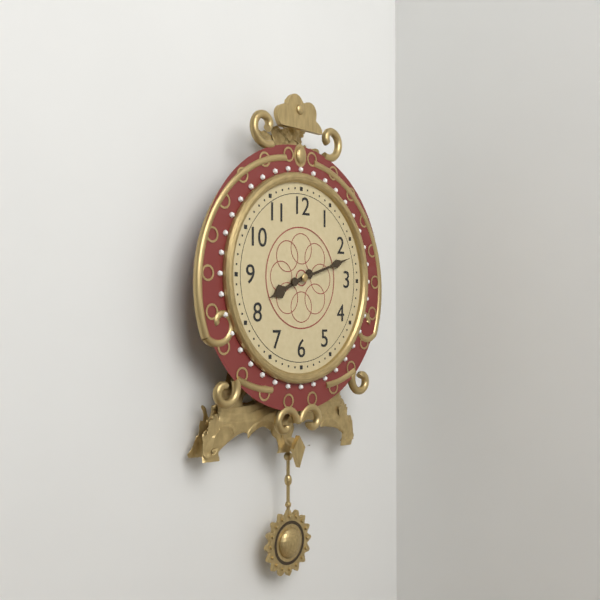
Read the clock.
8:12
